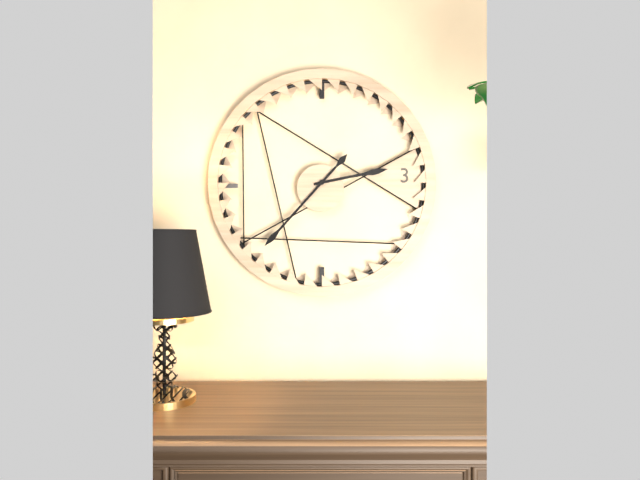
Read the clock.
2:37
